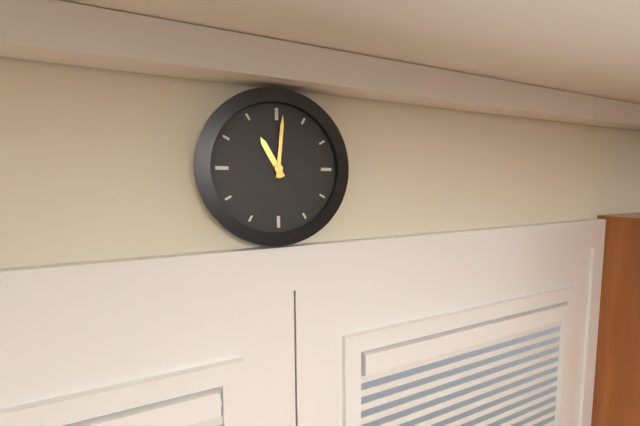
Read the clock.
11:01
